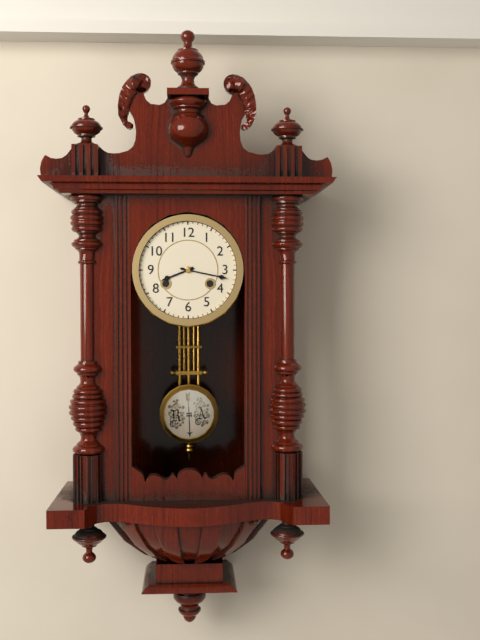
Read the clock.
8:17
